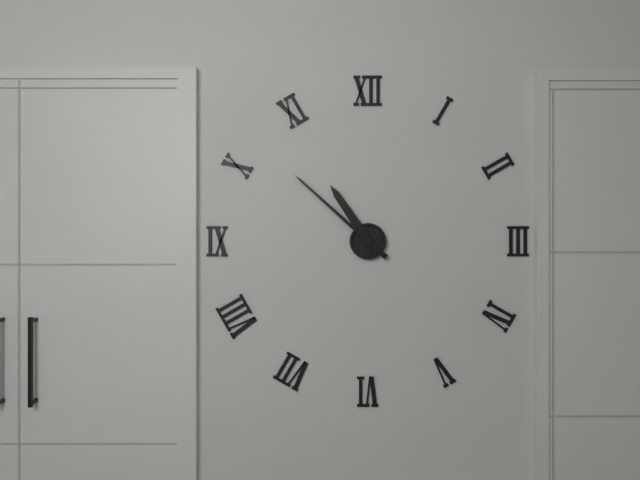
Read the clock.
10:52
